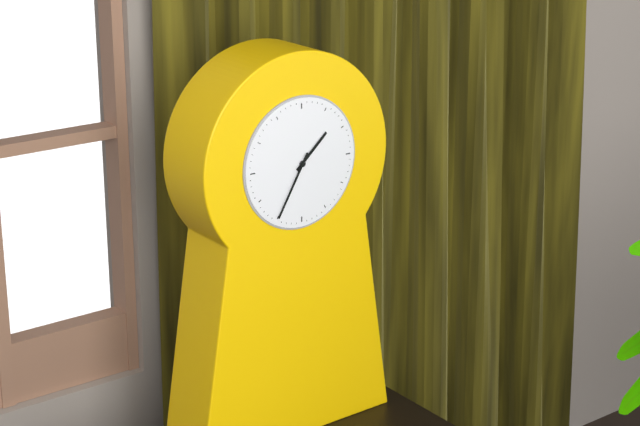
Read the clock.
1:35
